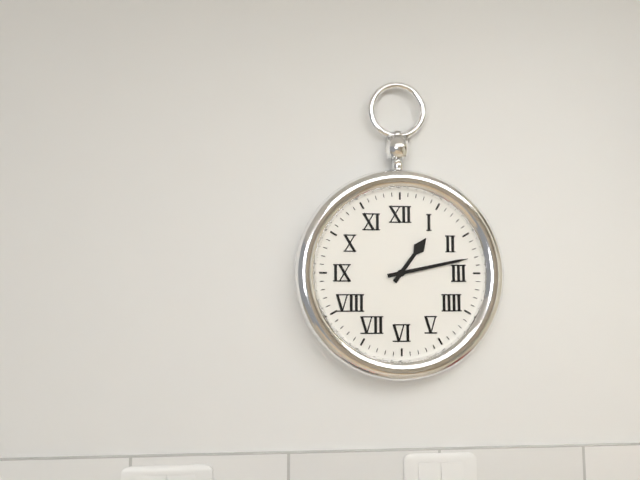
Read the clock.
1:13
